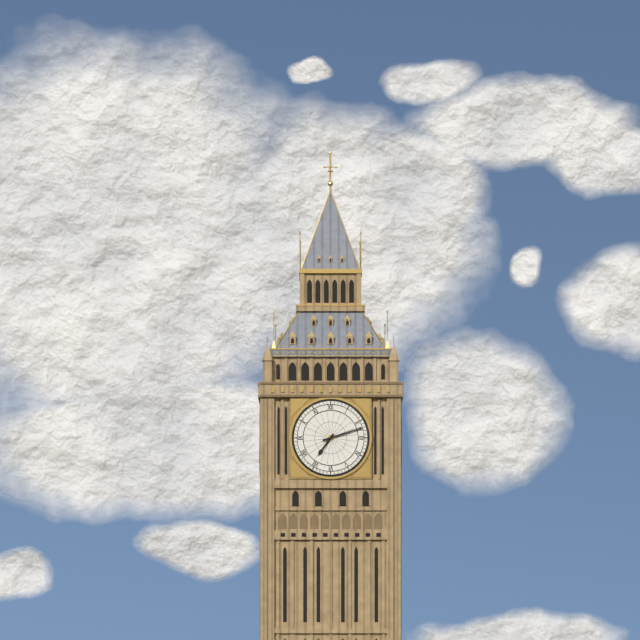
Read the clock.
7:12
